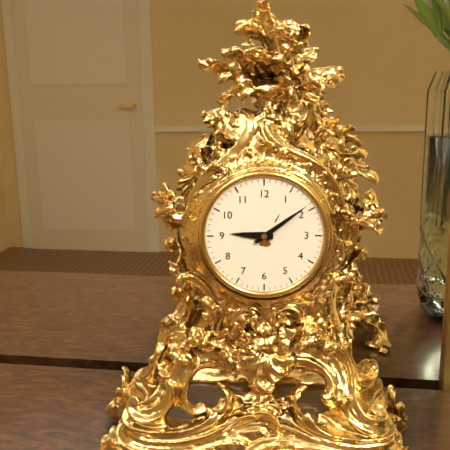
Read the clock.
9:09
